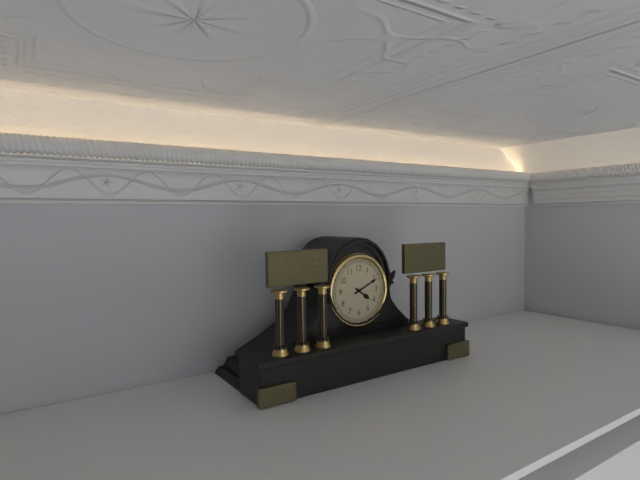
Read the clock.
4:11
